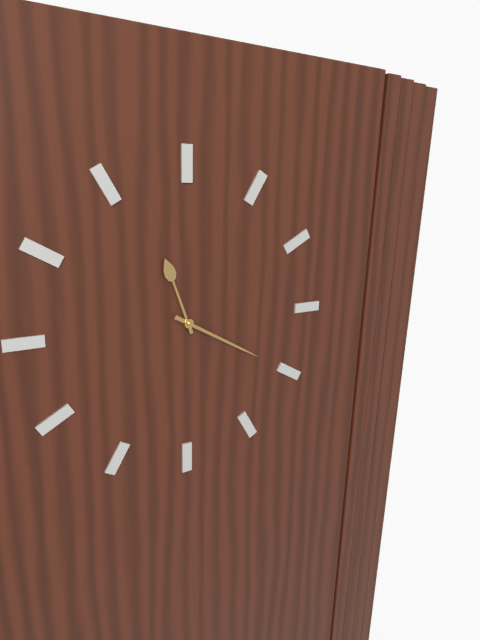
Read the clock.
11:20
